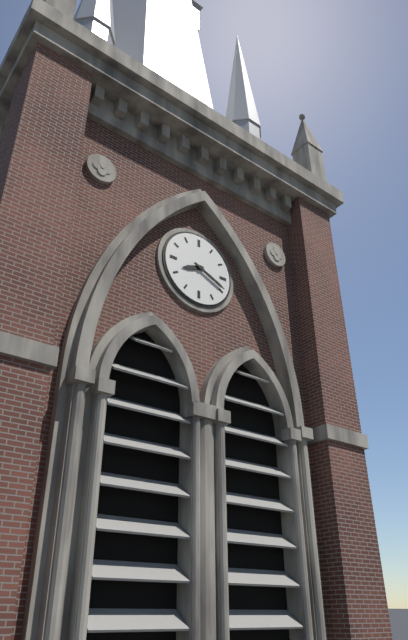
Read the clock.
8:19
